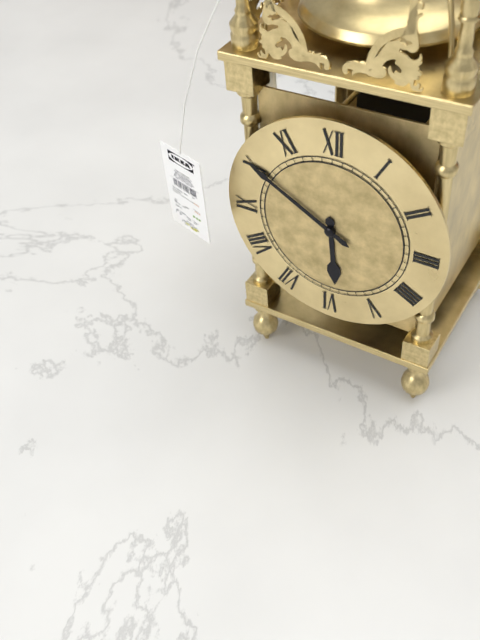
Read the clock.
5:50
